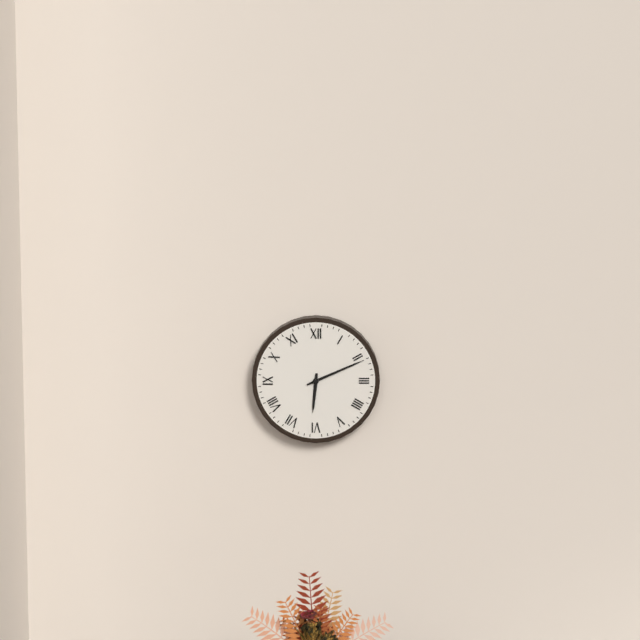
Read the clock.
6:11
